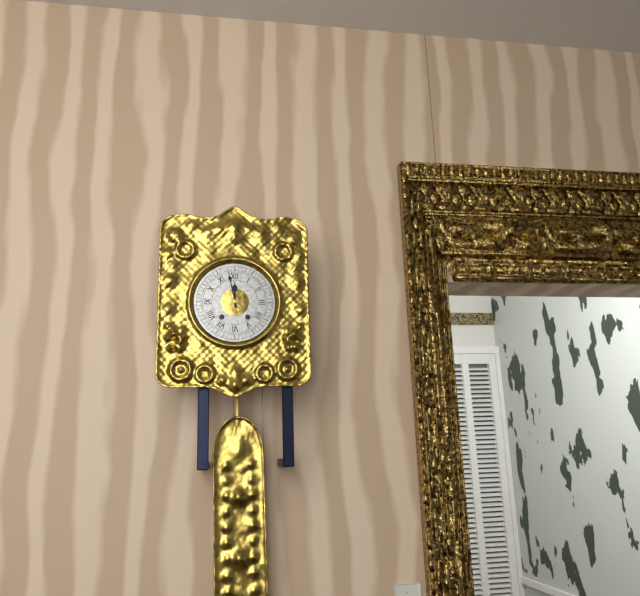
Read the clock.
11:58
